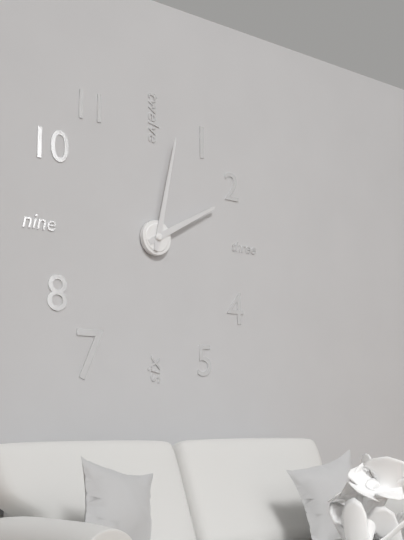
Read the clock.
2:02
